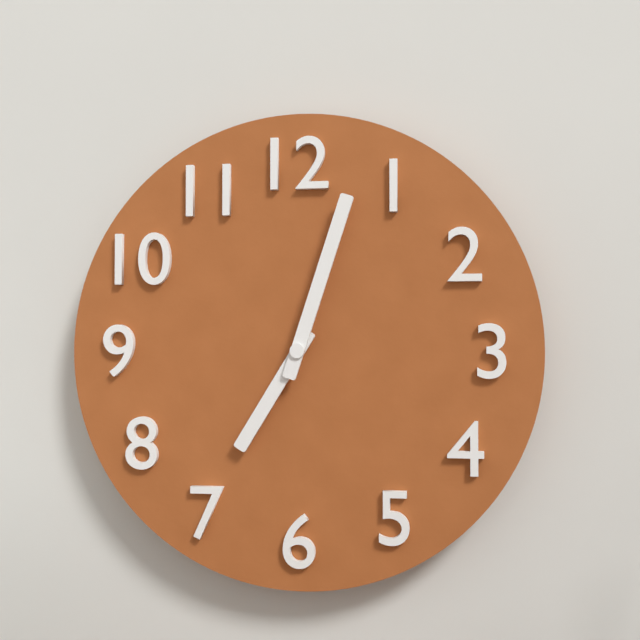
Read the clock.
7:03
